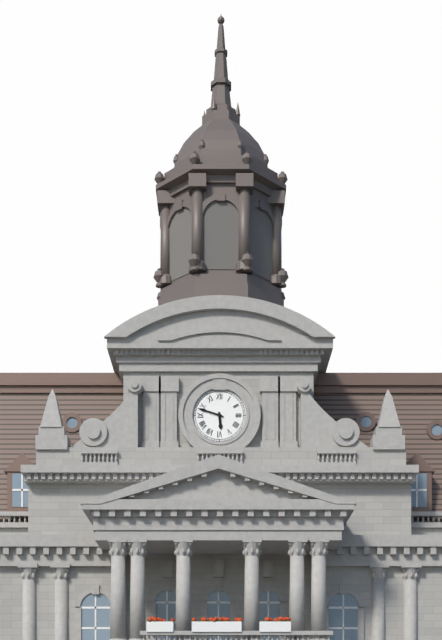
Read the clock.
5:48
